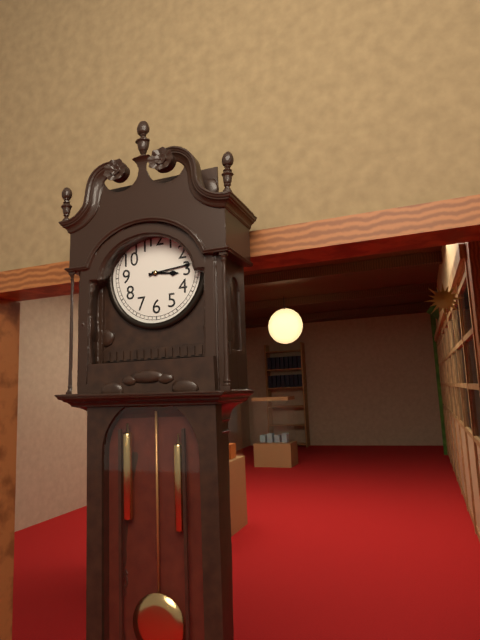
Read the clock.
3:14
